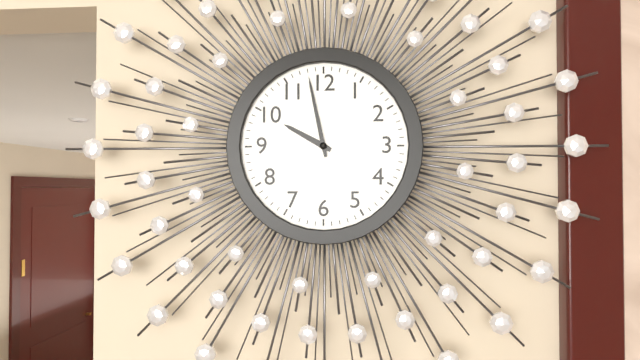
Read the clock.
9:58
